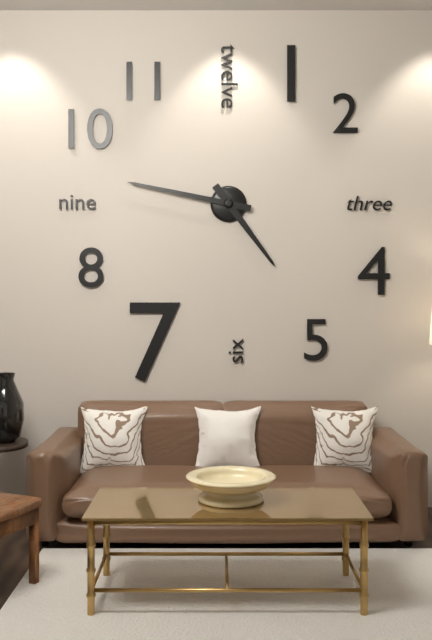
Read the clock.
4:47
